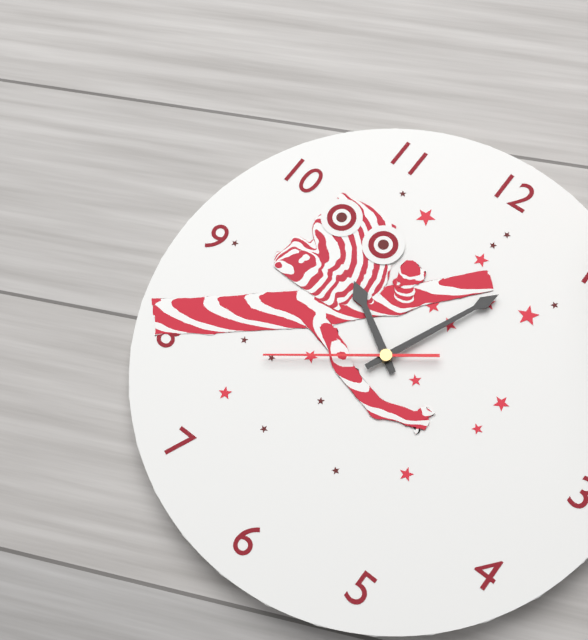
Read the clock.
10:04:39
